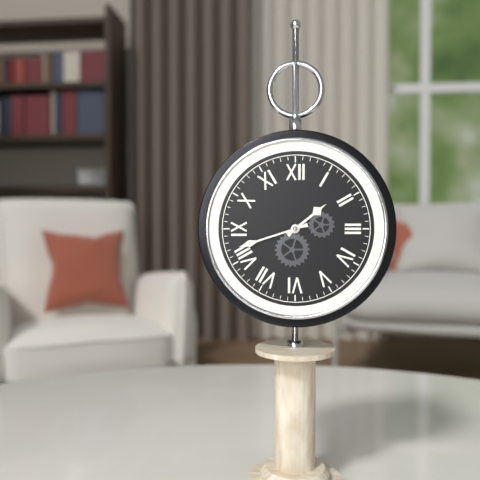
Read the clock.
1:42
